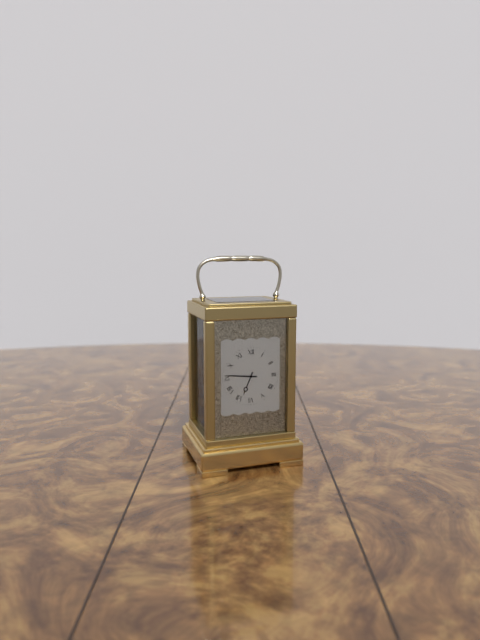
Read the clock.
6:46
